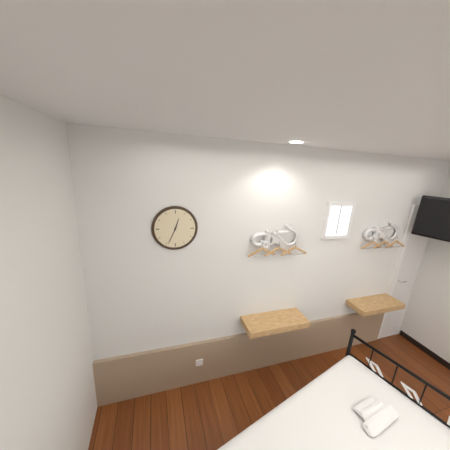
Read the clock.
12:34
